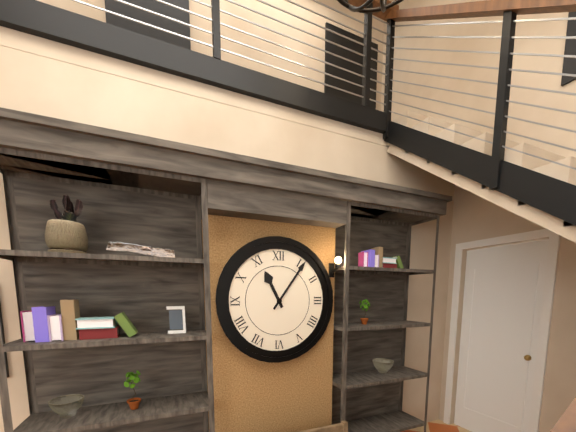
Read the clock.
11:06
